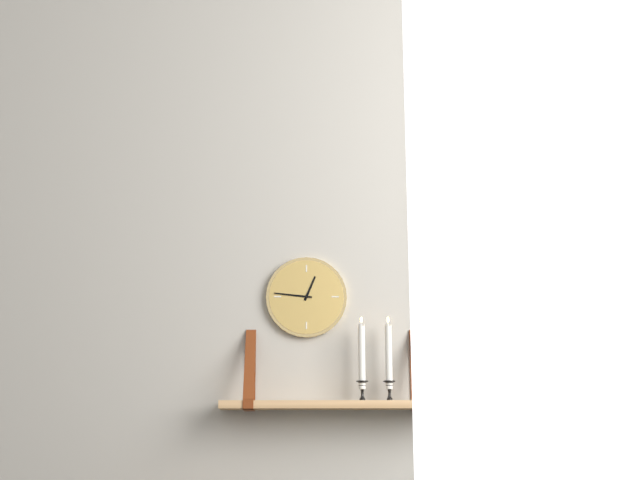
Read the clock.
12:46
